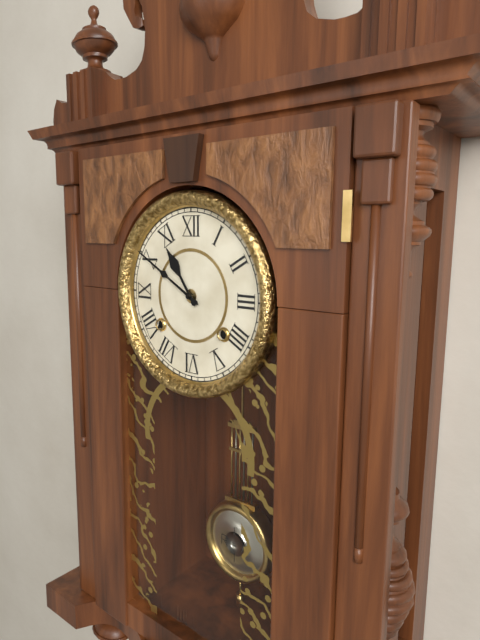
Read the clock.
10:50
